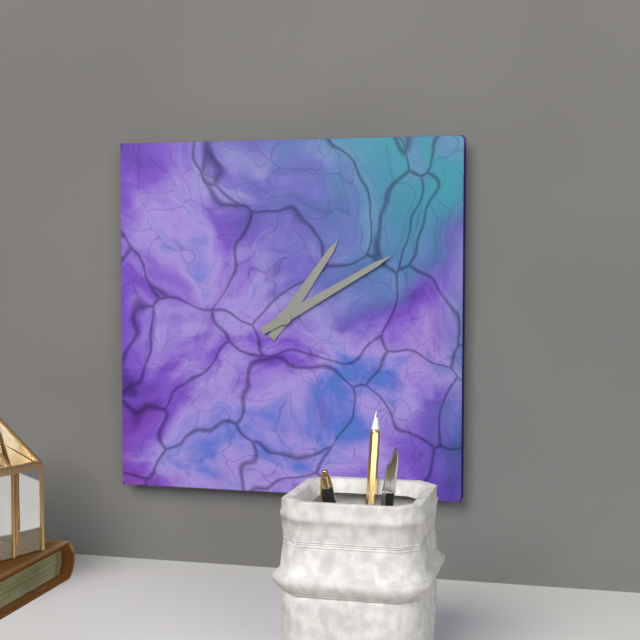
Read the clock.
1:10
